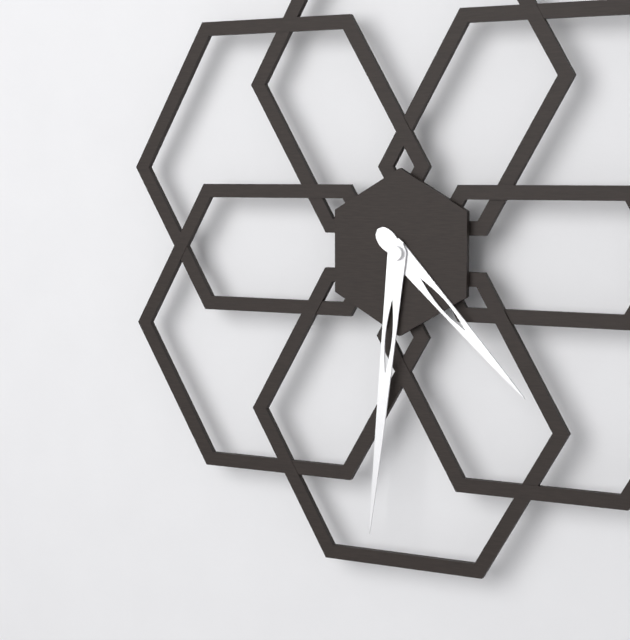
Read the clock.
4:31
